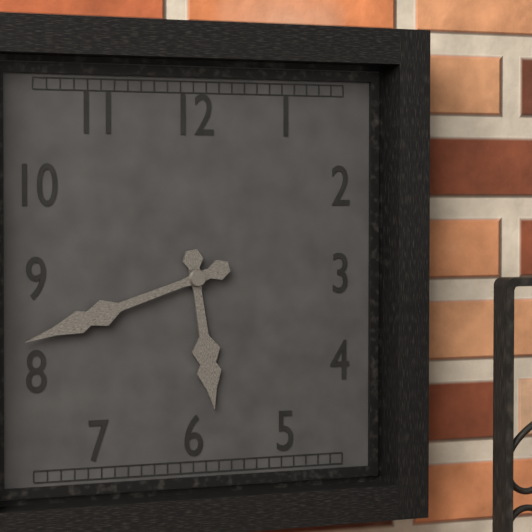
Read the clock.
5:42
